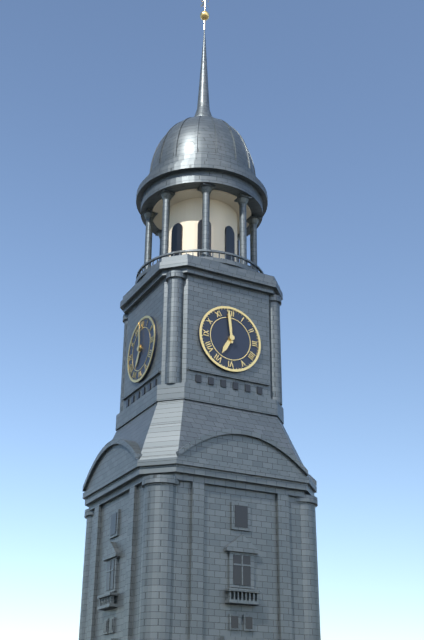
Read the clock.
6:59
